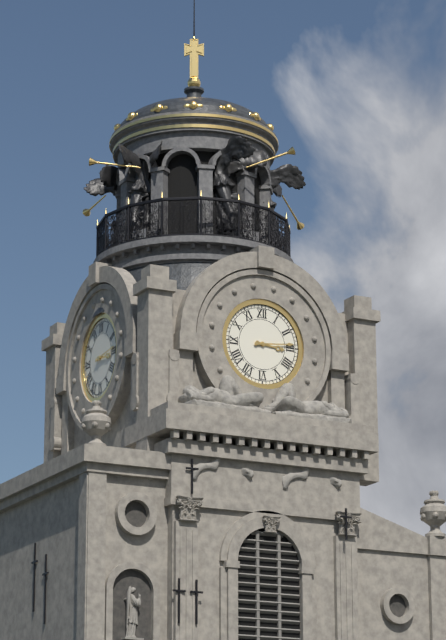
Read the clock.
3:14
